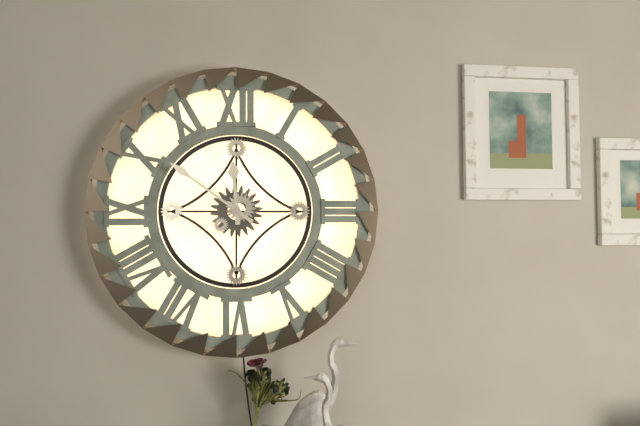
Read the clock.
11:51
